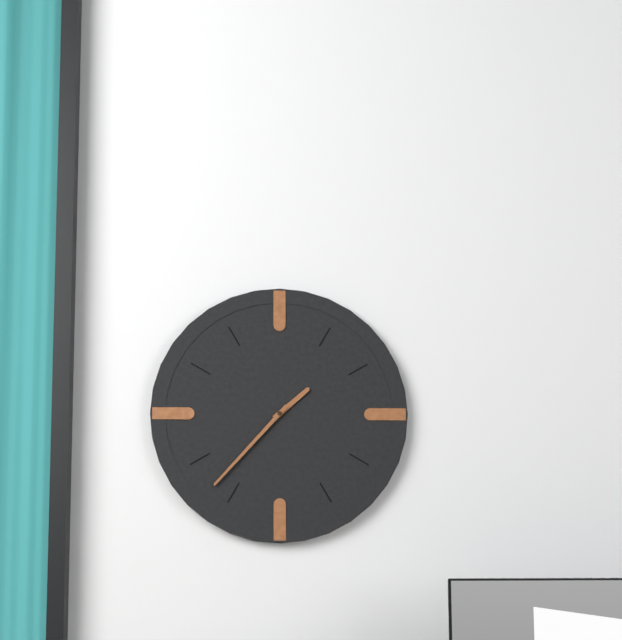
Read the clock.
1:37
